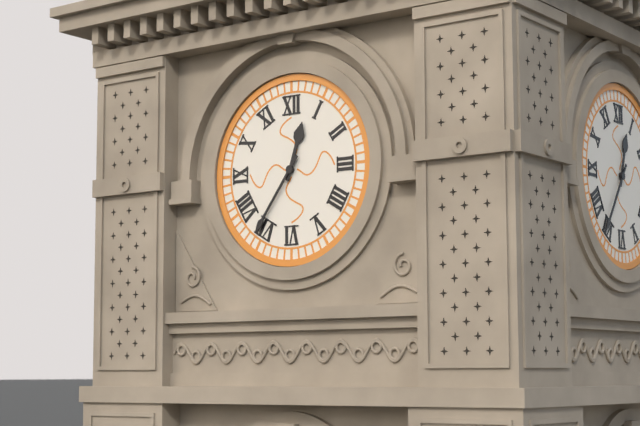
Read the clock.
12:36
